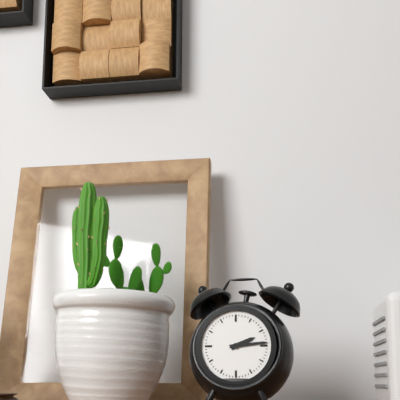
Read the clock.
2:14
